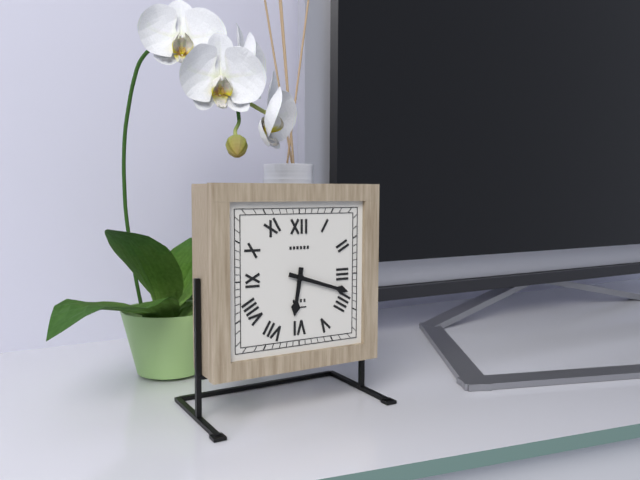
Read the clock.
6:18
